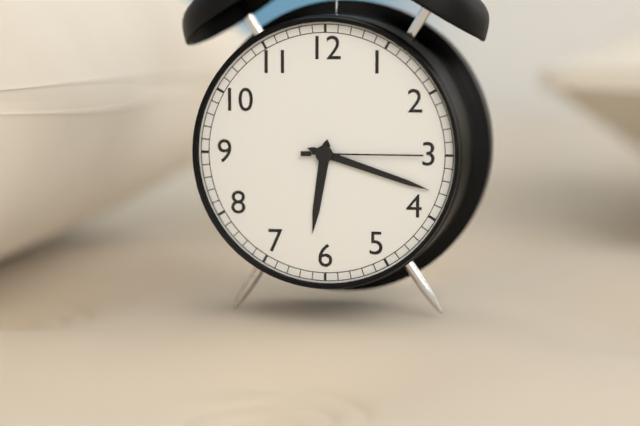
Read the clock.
6:18:15
